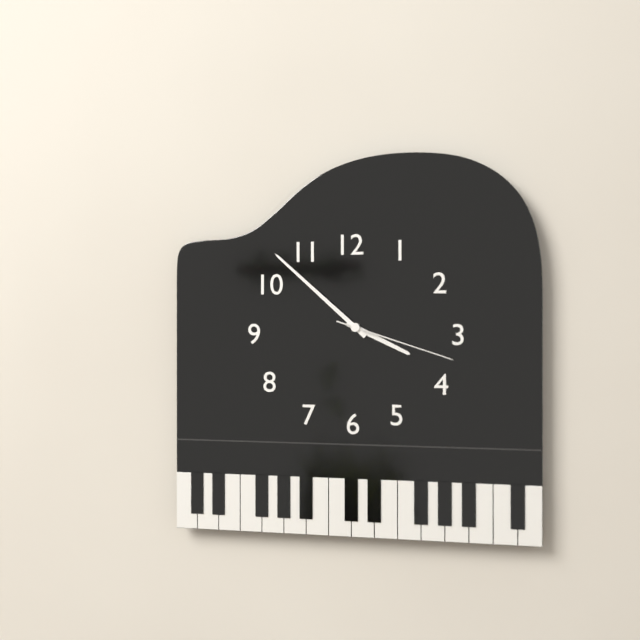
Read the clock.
3:52:18
